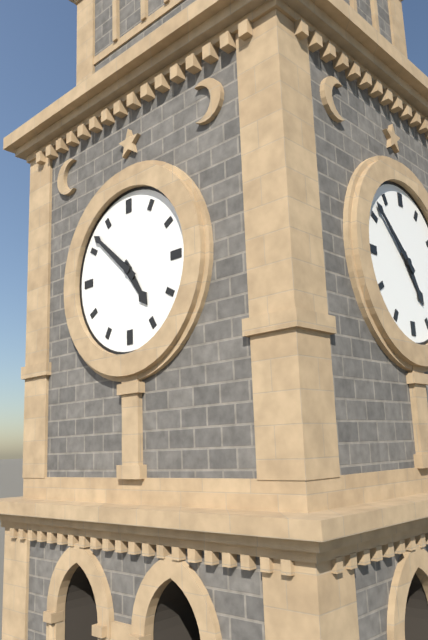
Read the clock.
4:52
